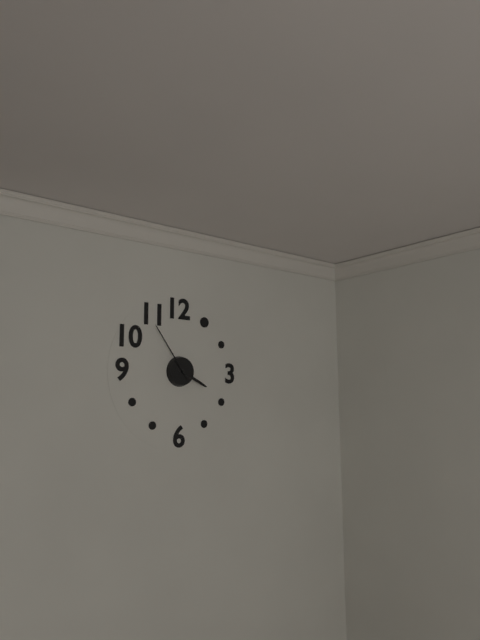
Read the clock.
3:54
